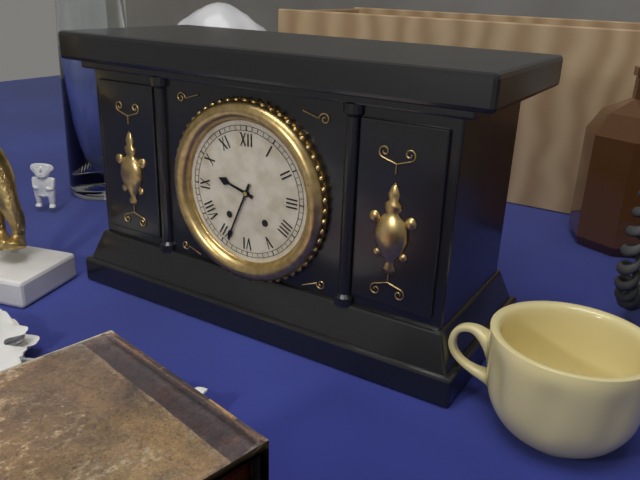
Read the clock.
9:34
